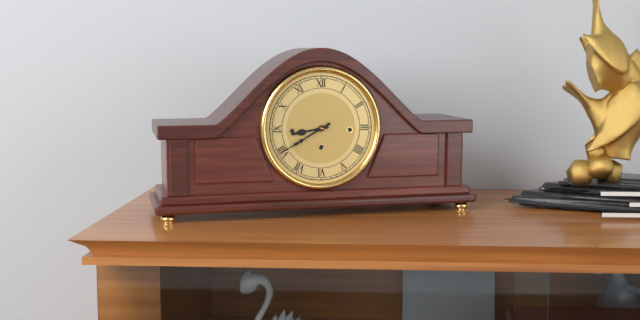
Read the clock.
8:40
